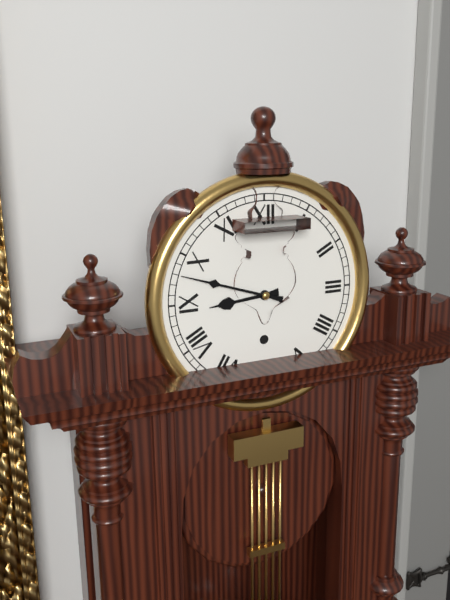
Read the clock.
8:48
